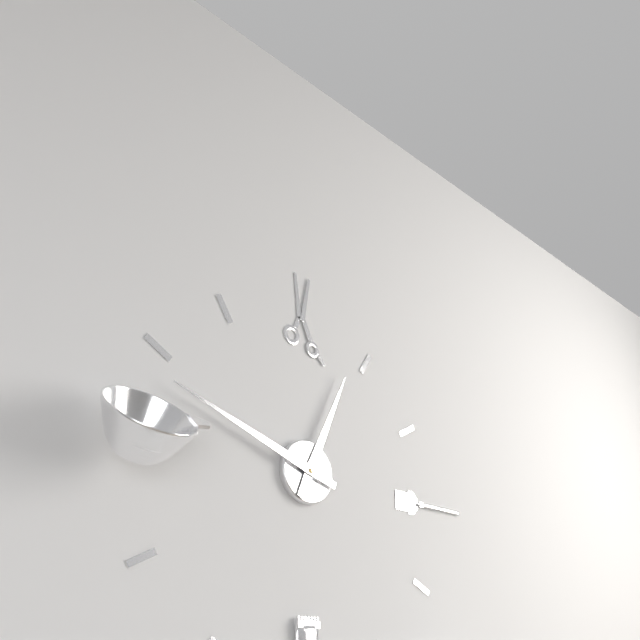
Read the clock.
12:48
